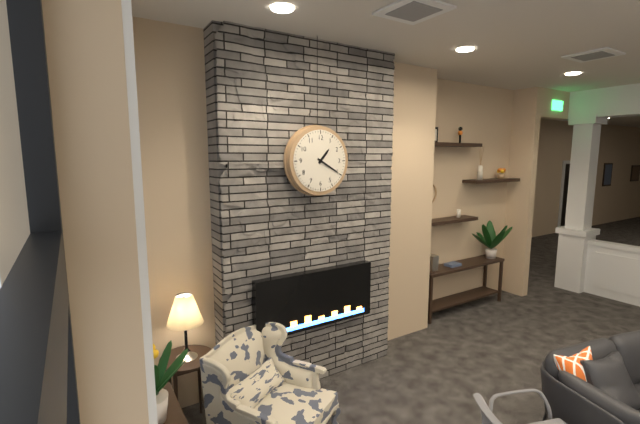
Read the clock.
1:20
